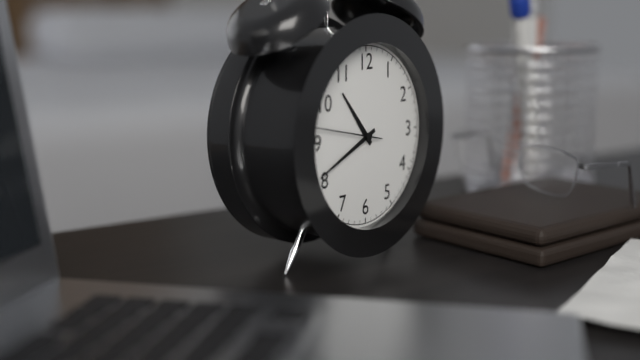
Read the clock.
10:41:47
